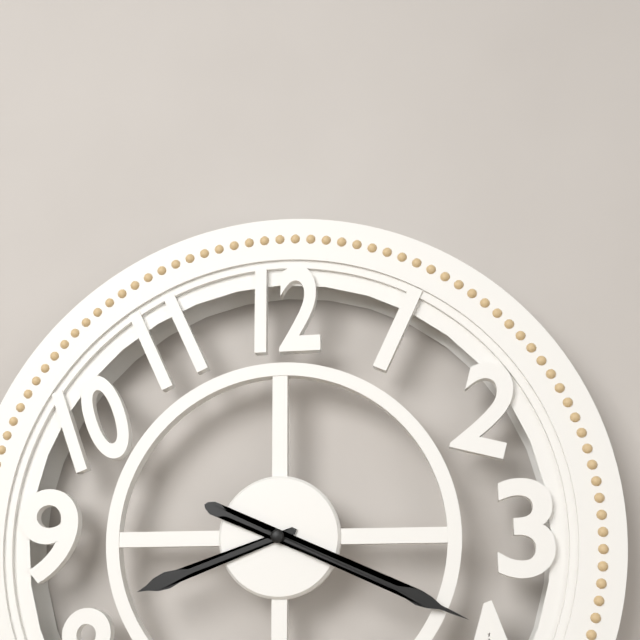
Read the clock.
8:19
